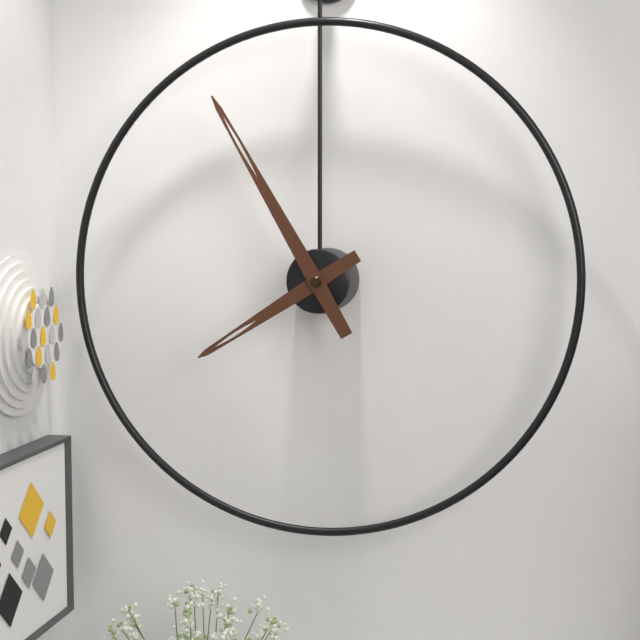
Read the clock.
7:55
